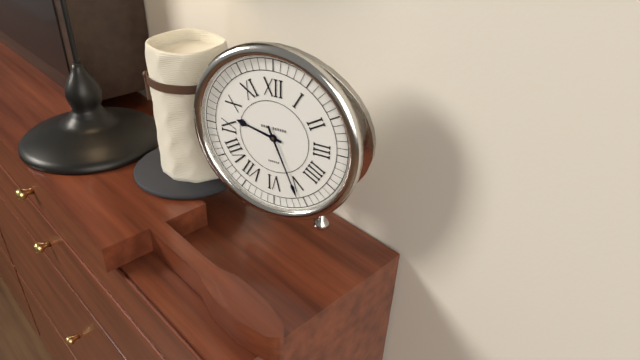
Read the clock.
9:26
